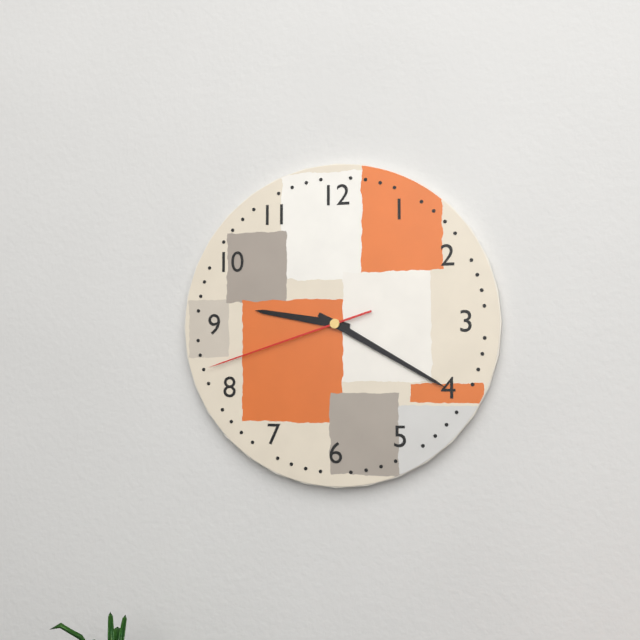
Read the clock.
9:20:42
